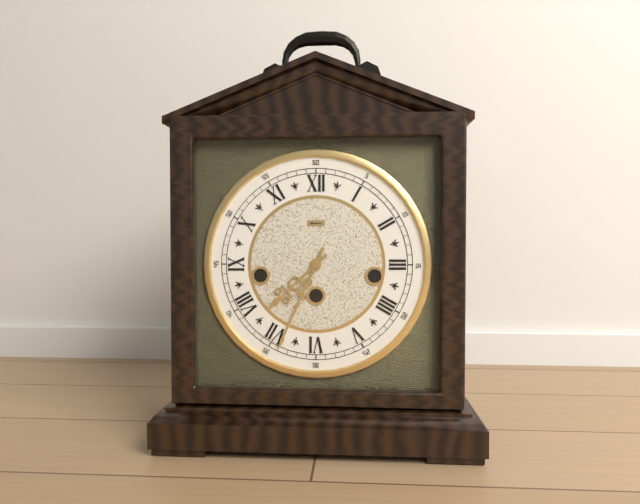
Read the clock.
7:34
